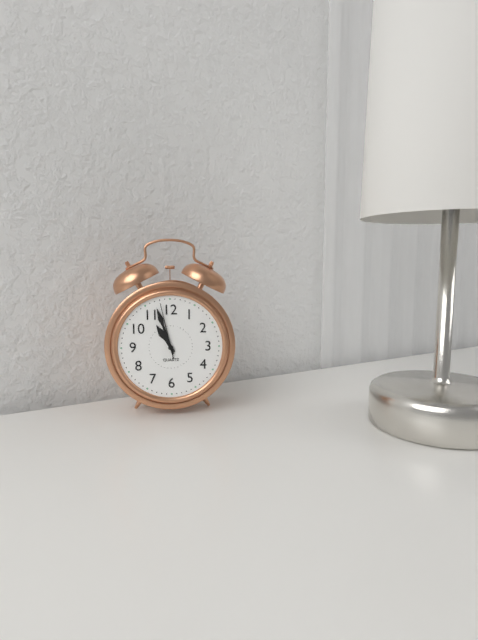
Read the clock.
10:57:58
